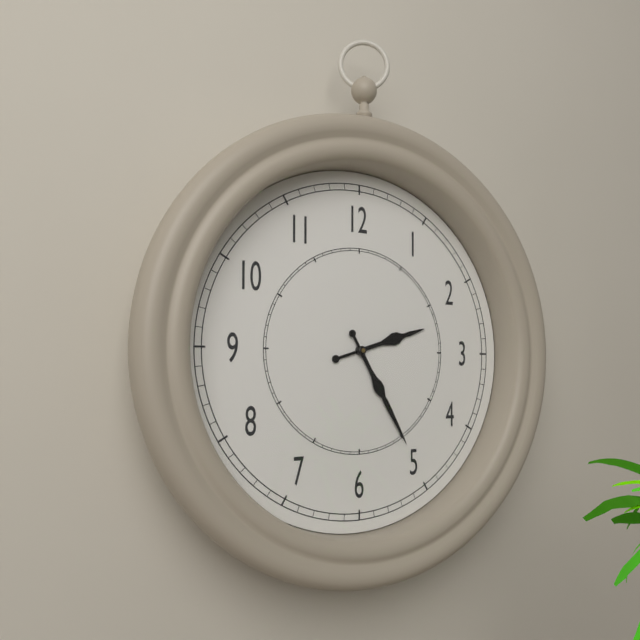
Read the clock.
2:25
